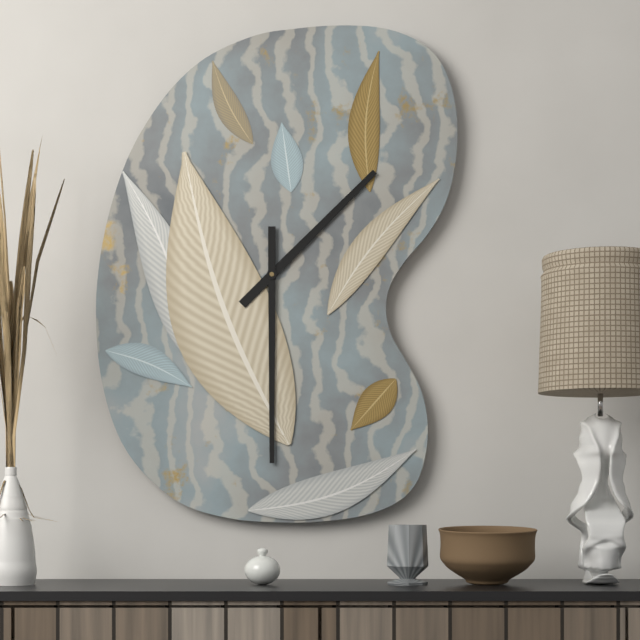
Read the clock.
1:30
